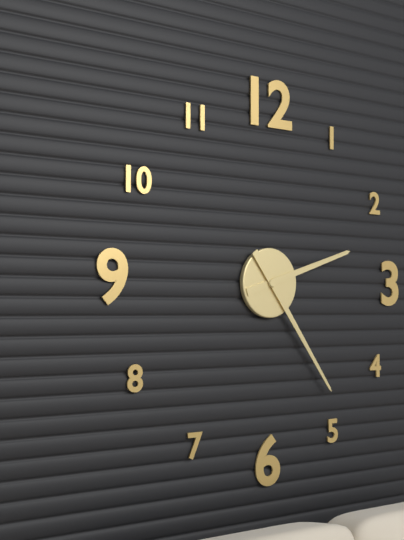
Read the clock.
2:24
